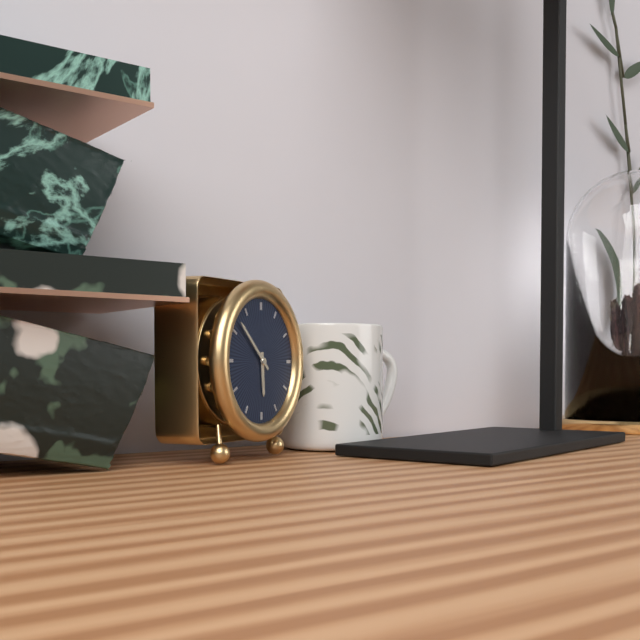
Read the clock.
5:52
